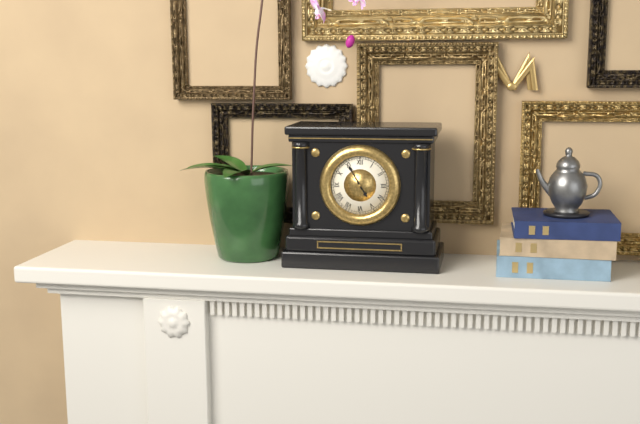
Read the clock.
4:55
